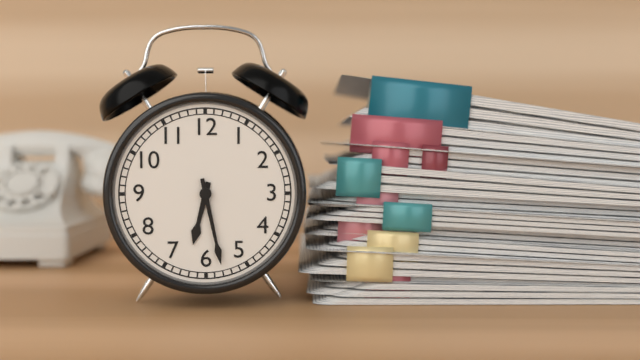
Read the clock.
6:28
